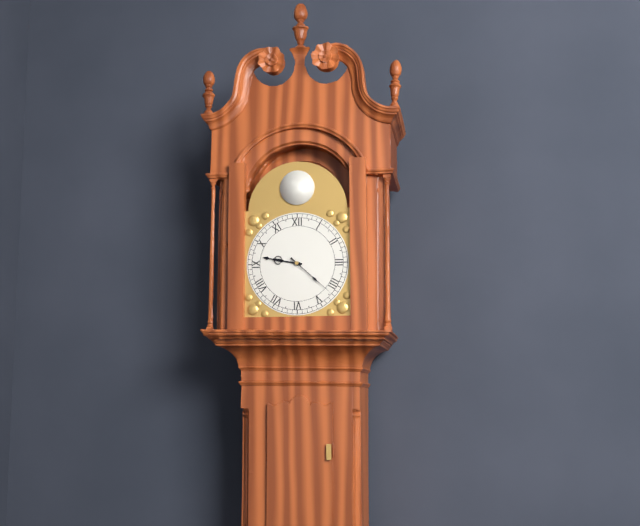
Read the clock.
9:22
